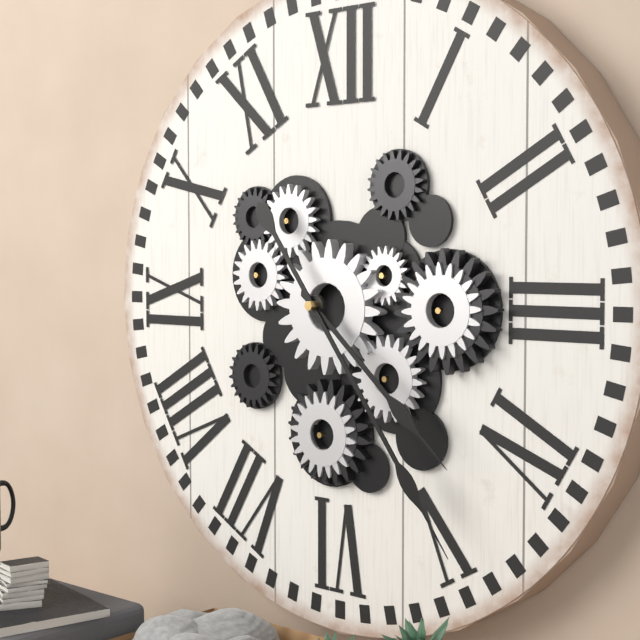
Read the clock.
4:24
